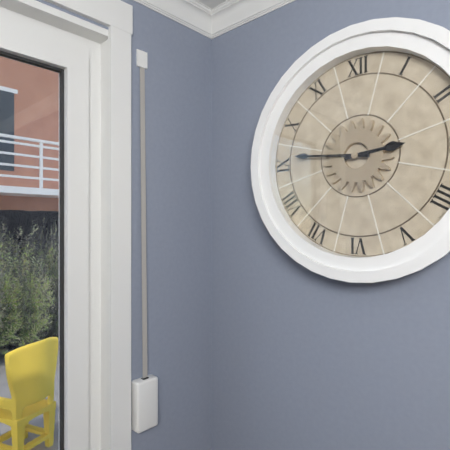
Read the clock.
2:46
